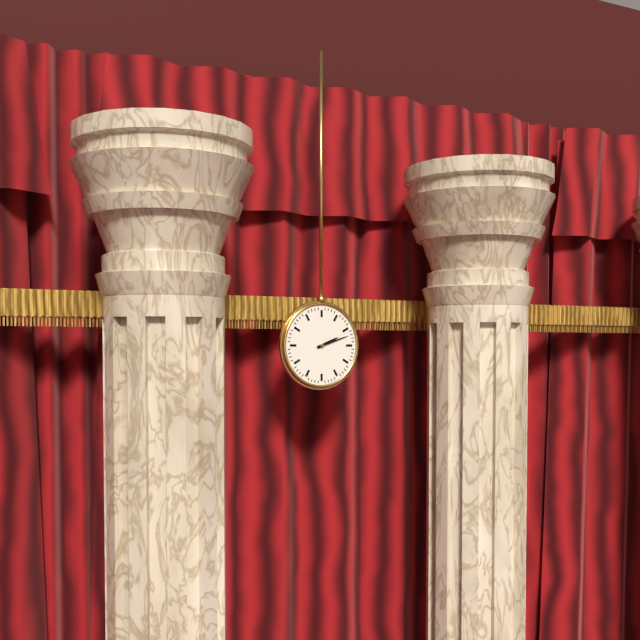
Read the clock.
2:12
